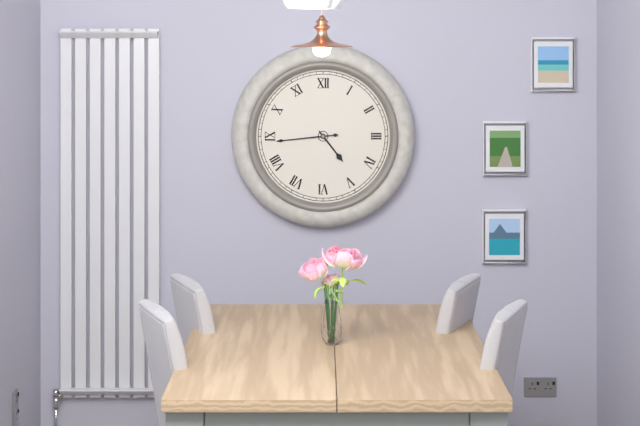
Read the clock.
4:44
